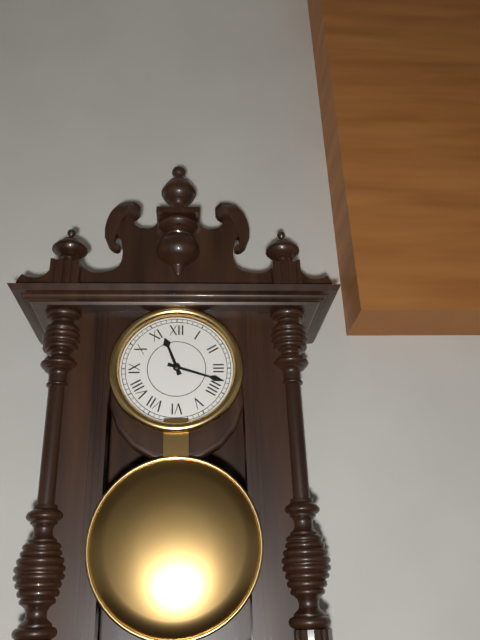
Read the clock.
11:18
